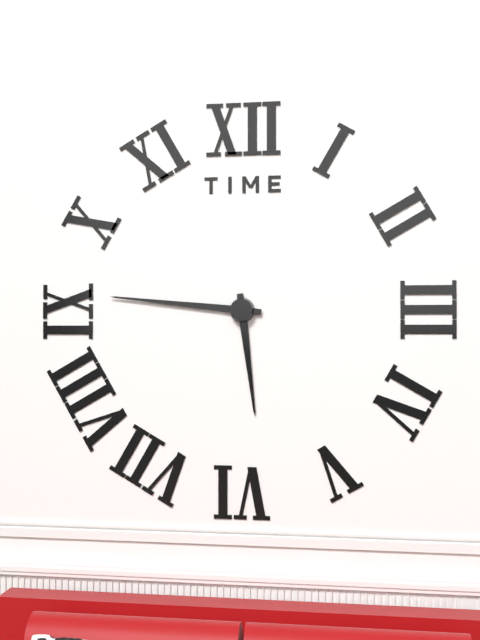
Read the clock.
5:46
